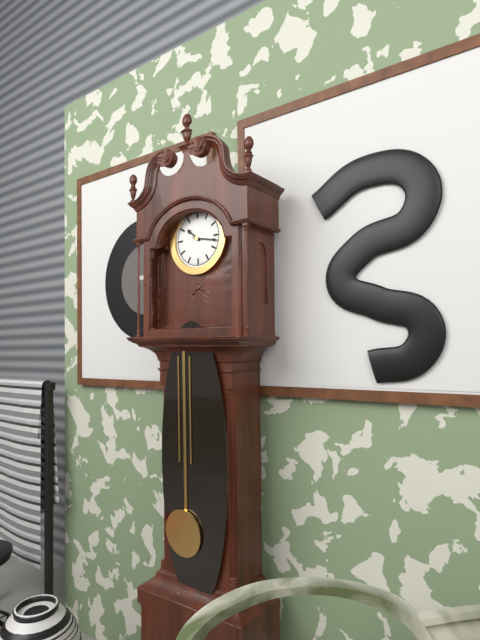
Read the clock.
10:17
